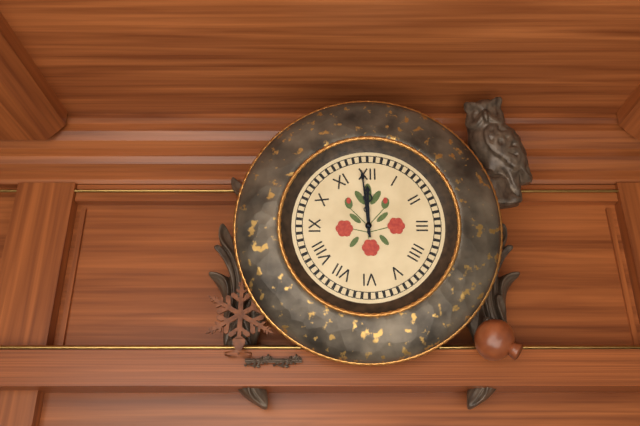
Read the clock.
11:59
